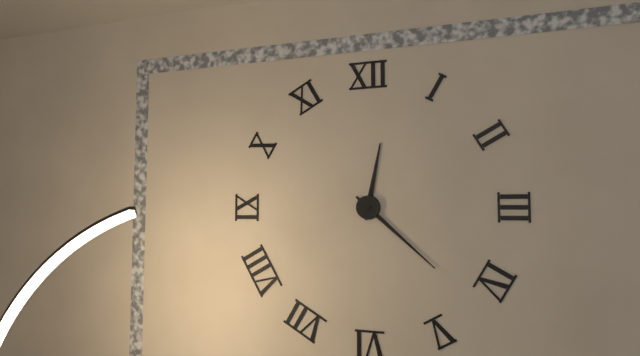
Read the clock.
12:22
